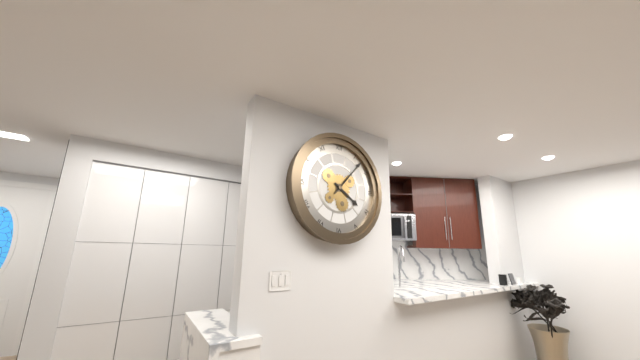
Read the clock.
4:07
